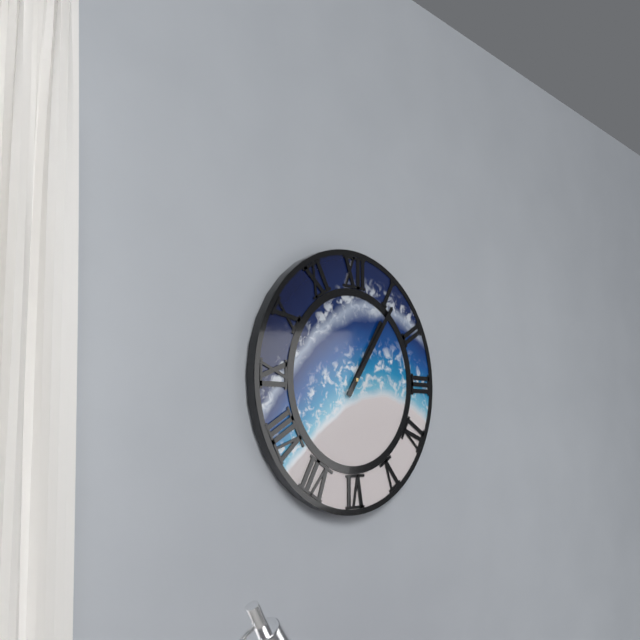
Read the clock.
1:06
